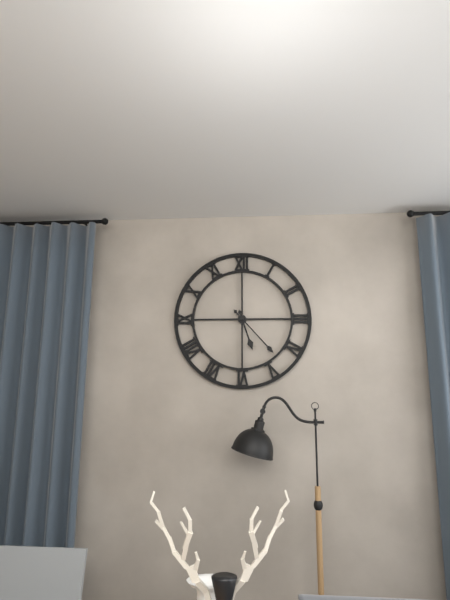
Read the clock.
5:23
